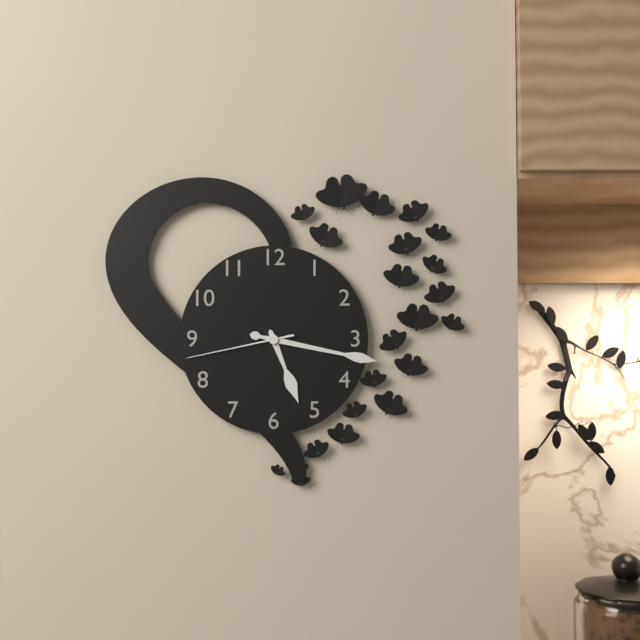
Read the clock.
5:17:43
